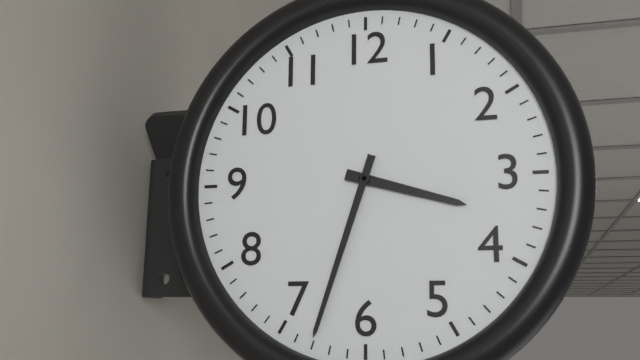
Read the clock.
3:33
